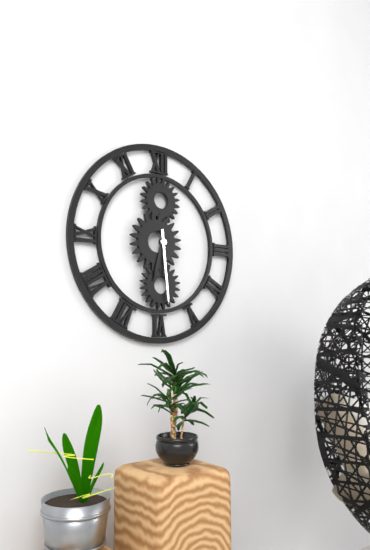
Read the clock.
6:29
